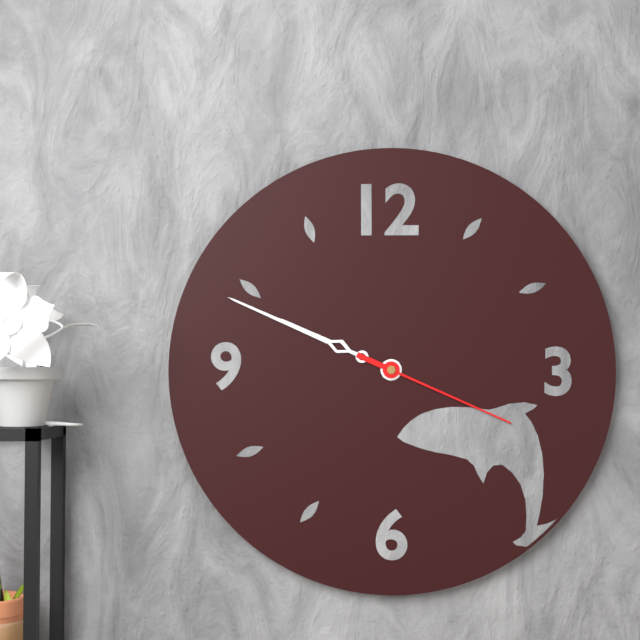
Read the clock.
9:49:19
